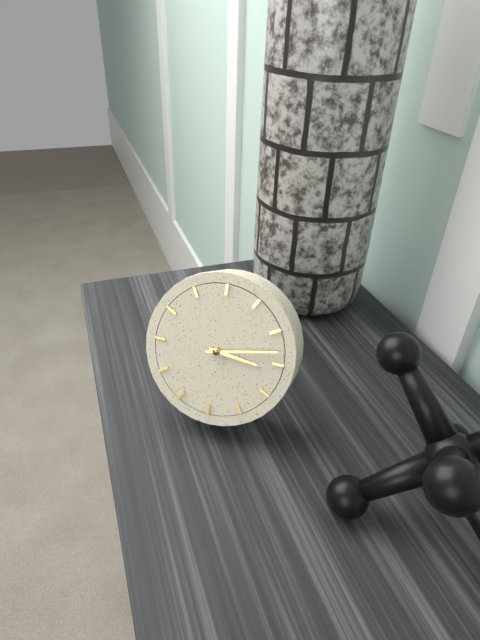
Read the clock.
3:13
